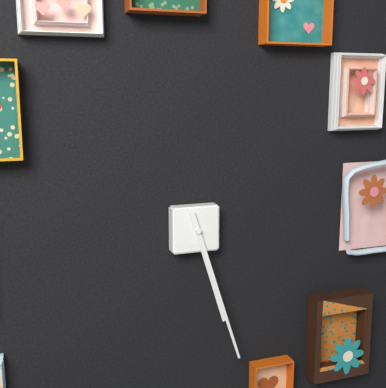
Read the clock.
5:27
